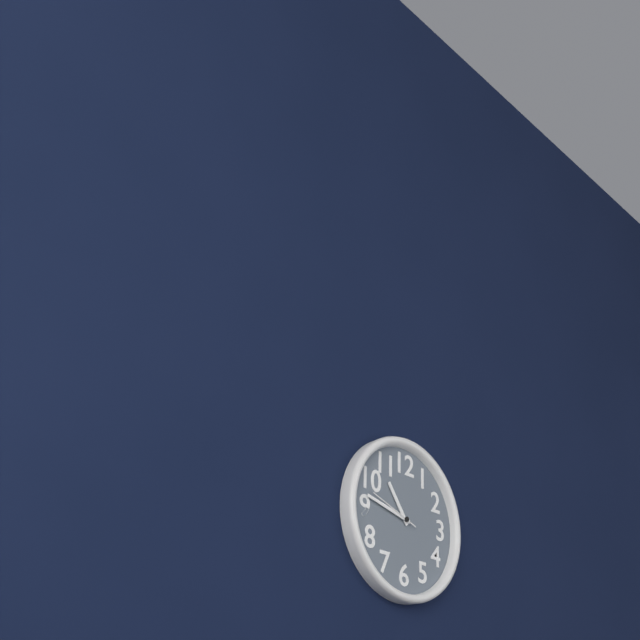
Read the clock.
10:47:48
